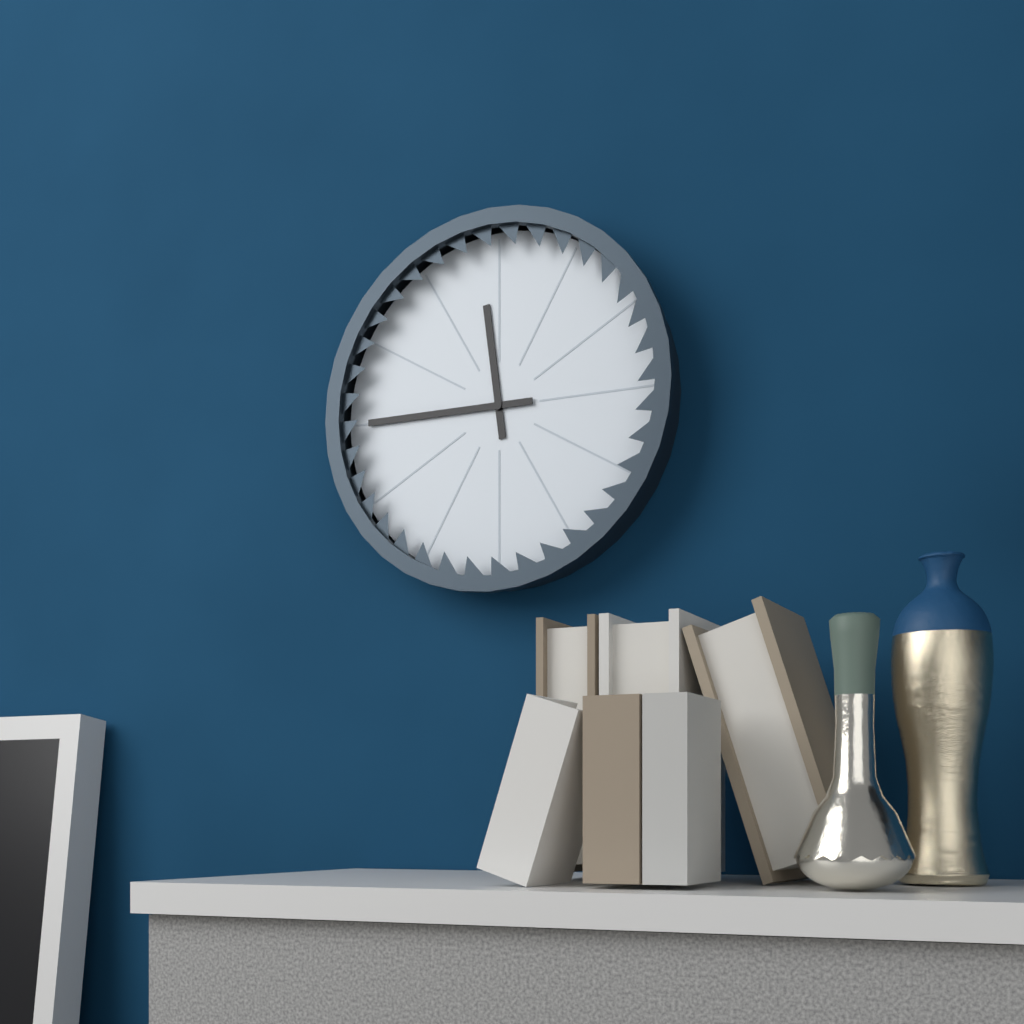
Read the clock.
11:45
